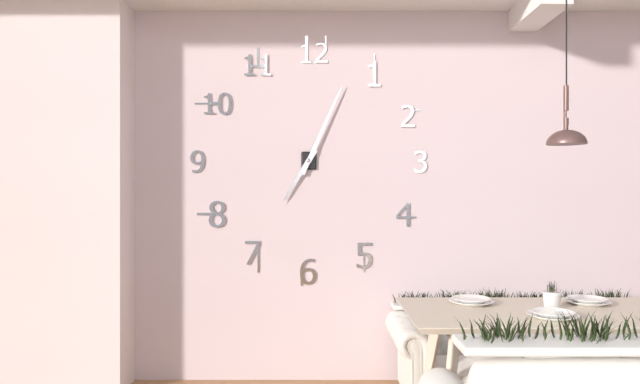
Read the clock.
7:04
